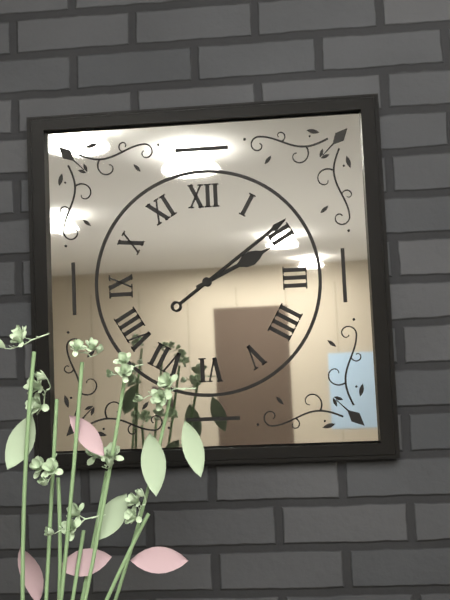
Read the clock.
2:09
